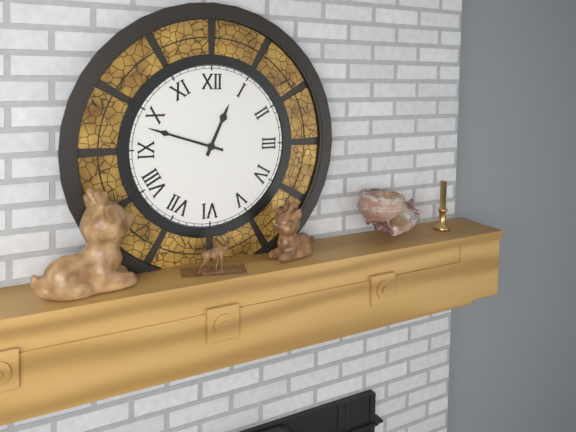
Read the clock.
12:48
